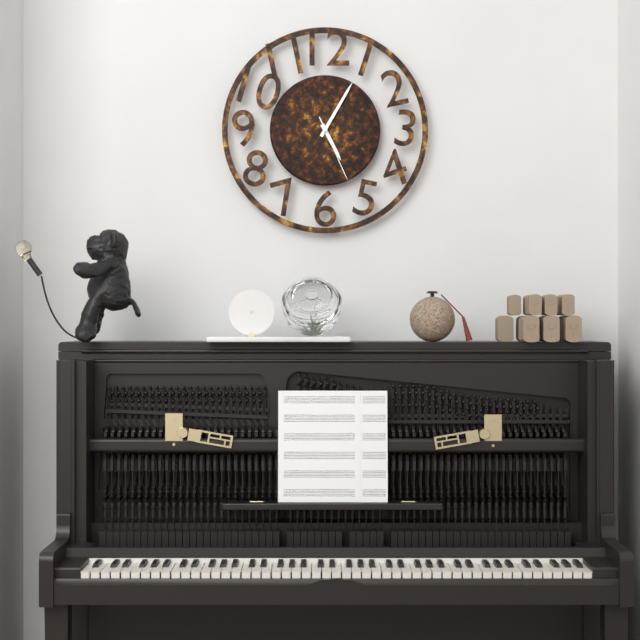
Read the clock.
5:05:26
